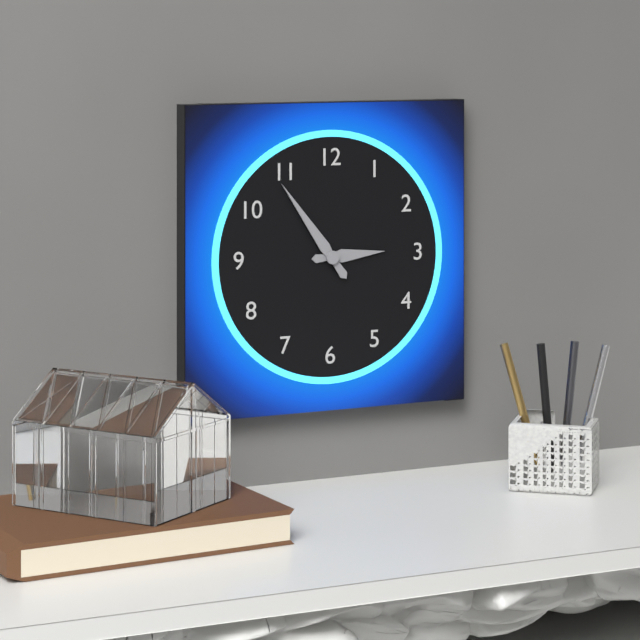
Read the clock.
2:54
